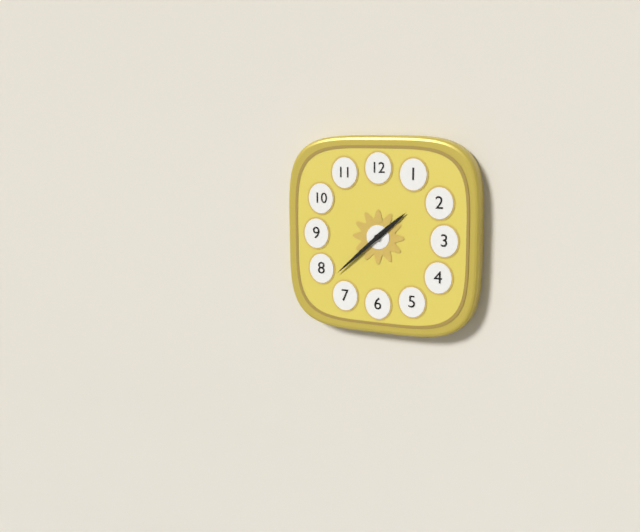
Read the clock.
1:38
